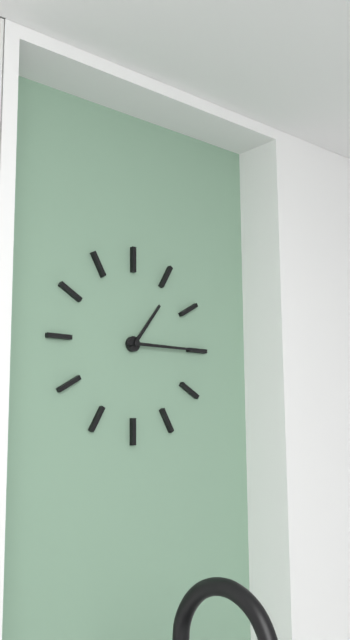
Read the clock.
1:15
